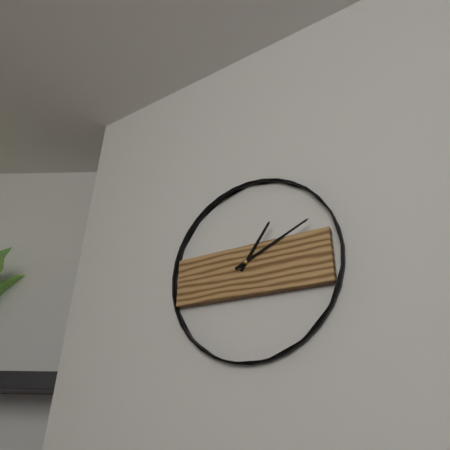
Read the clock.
1:11
